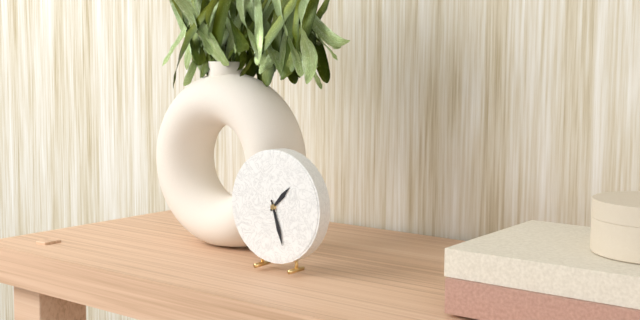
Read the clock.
1:27
